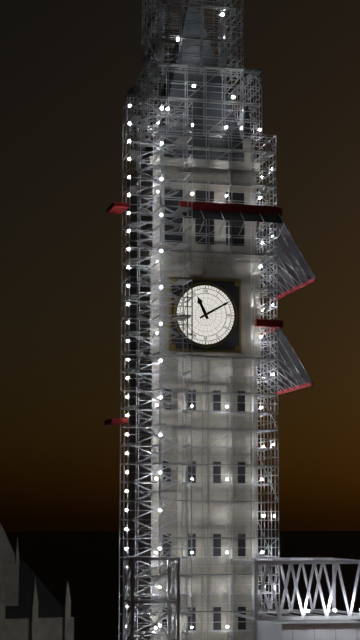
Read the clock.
11:10
